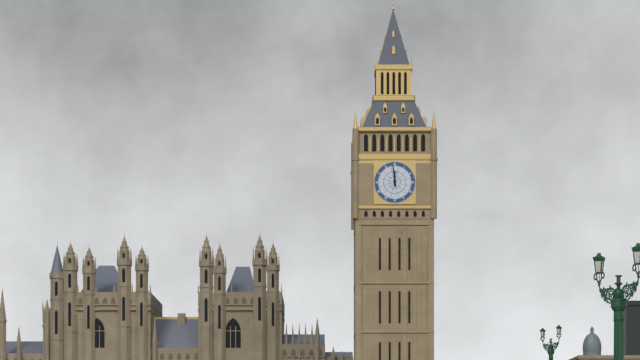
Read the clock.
11:59
